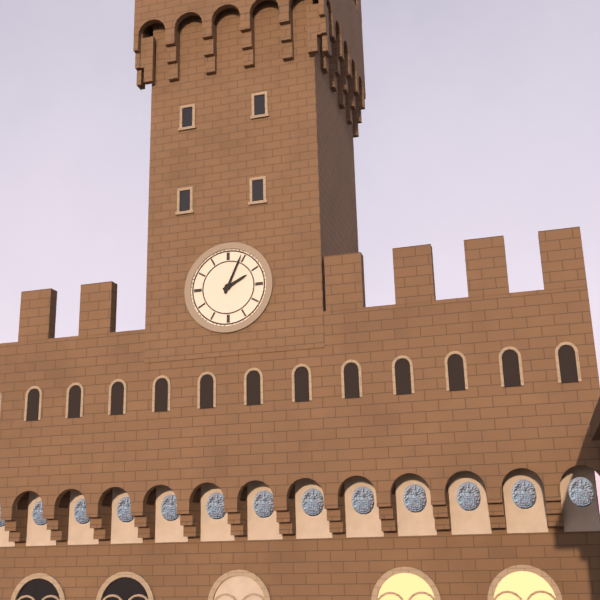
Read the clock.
2:04
